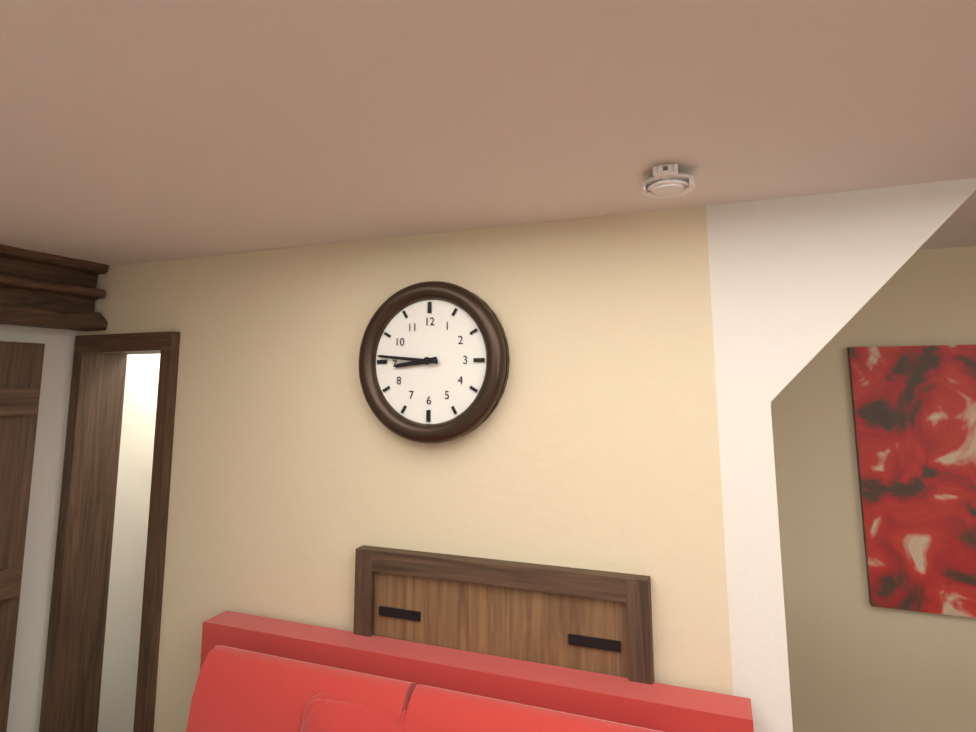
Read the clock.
8:46
